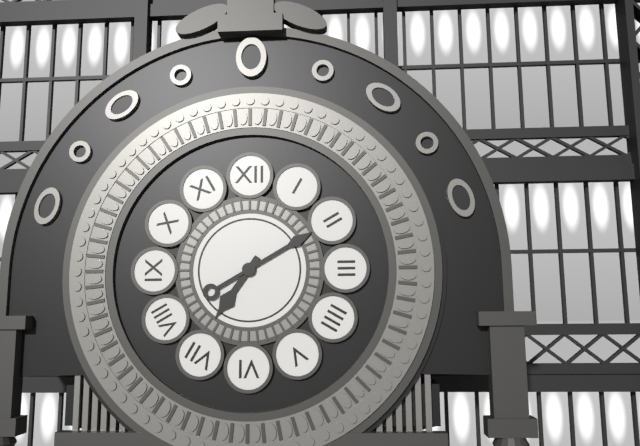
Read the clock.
7:10
